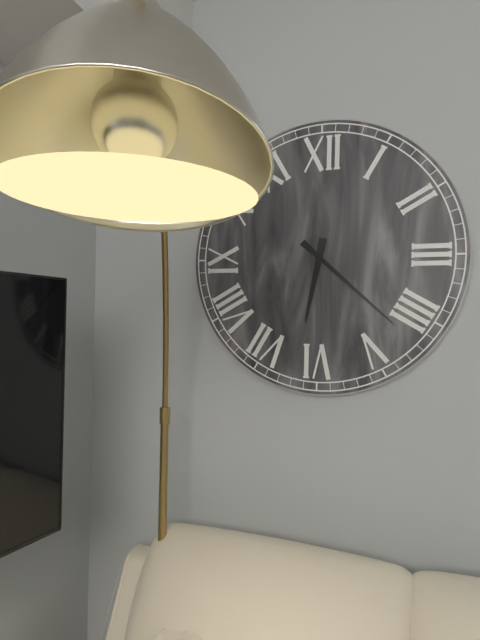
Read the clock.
6:22
